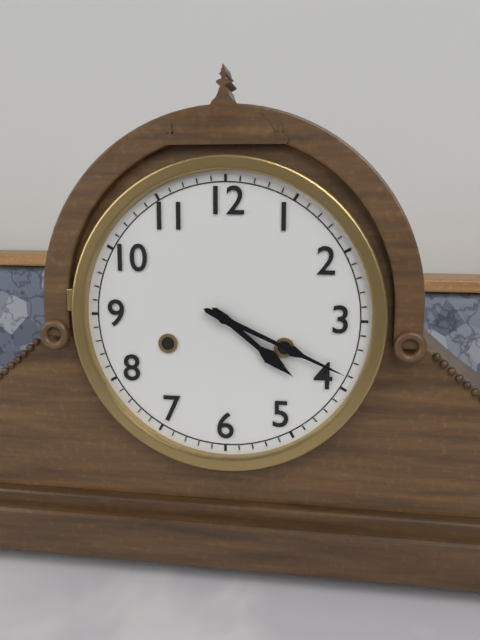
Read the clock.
4:19
